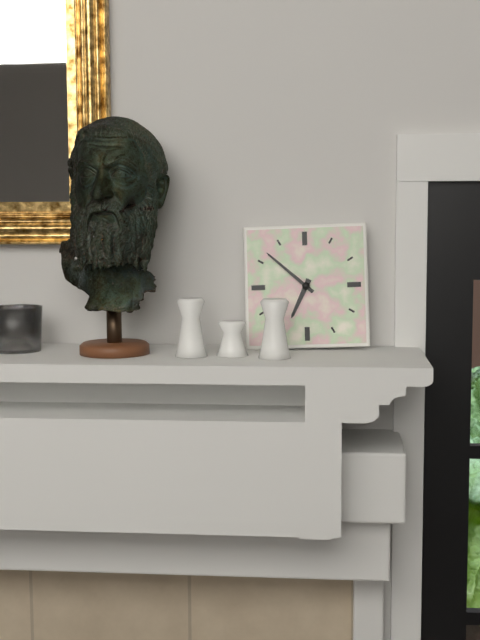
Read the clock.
6:52
